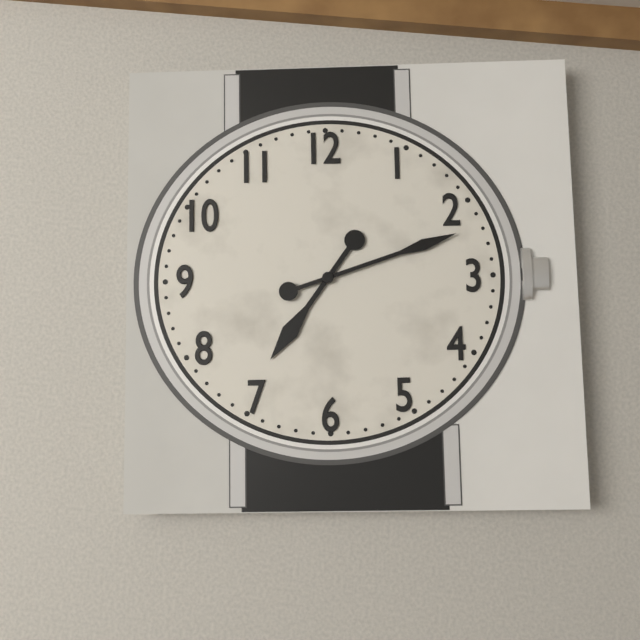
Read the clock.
7:12
